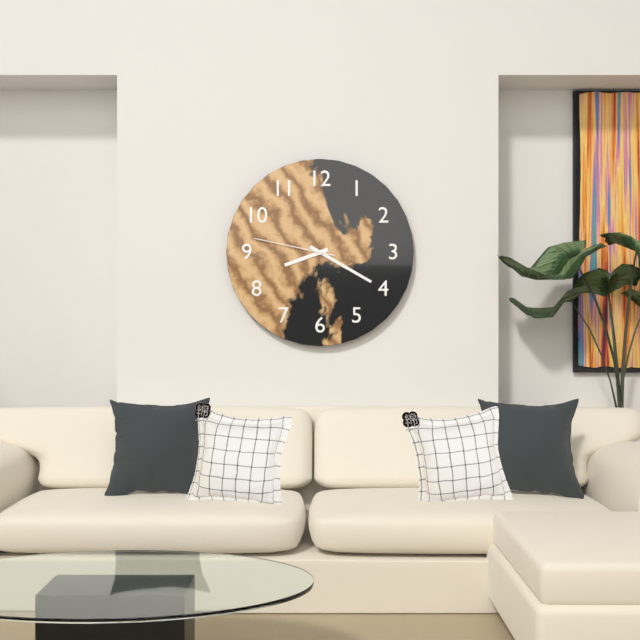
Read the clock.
8:20:47
